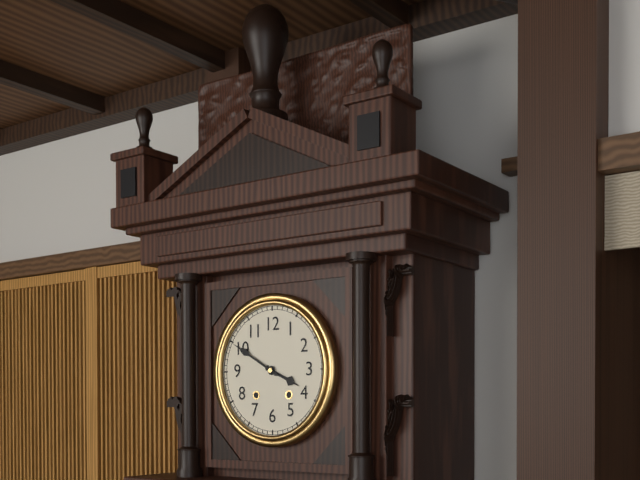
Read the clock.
3:50
